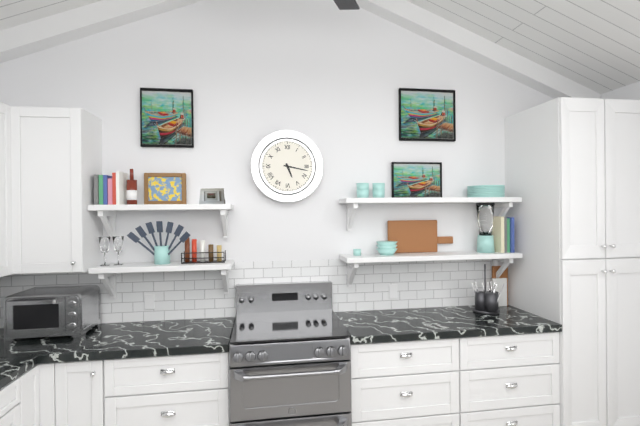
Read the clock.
5:17
